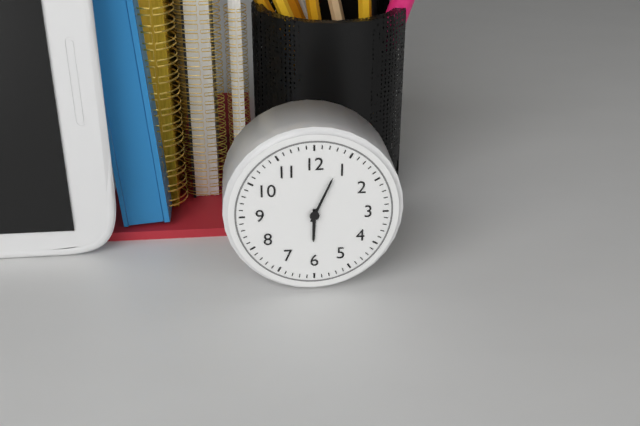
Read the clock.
6:04
